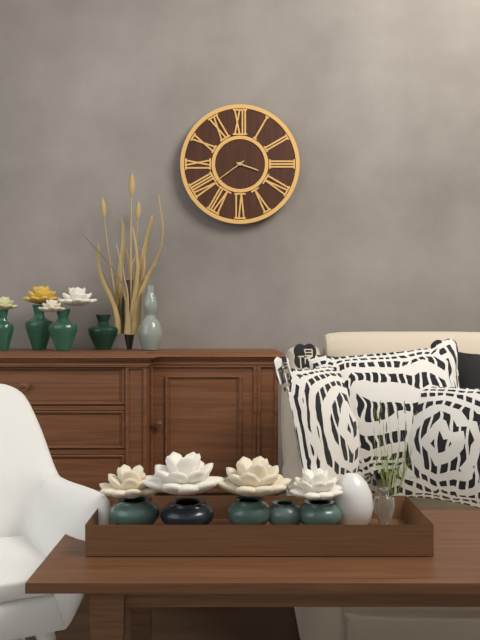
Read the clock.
3:39
